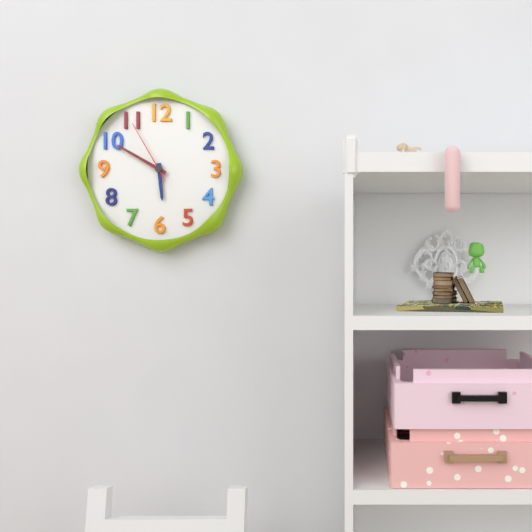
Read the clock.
5:50:55
